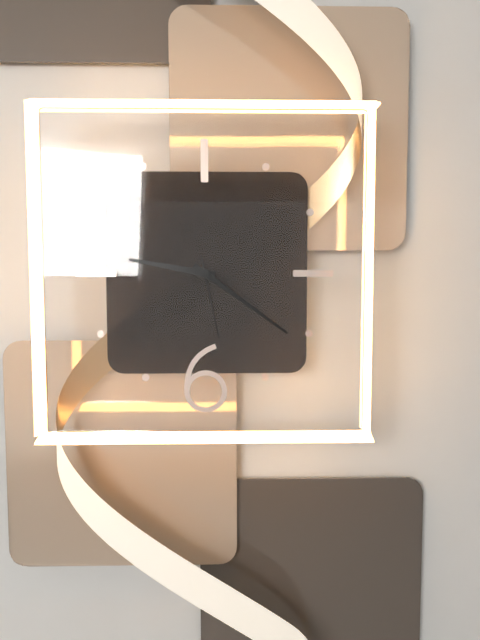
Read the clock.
9:21:28
